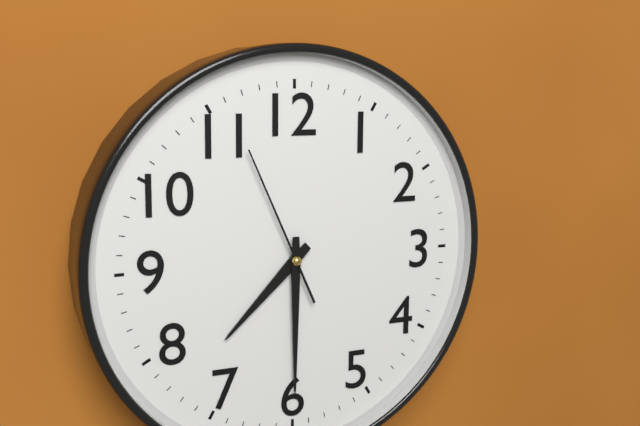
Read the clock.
7:30:56
